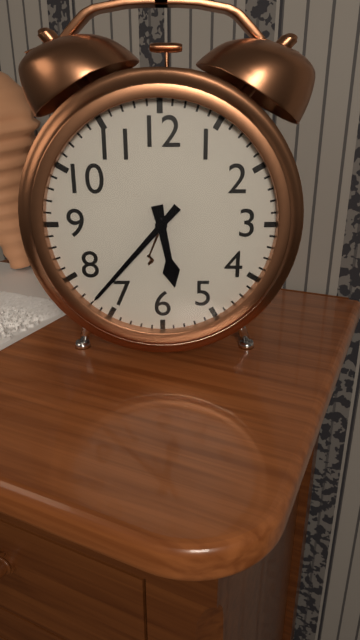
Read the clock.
5:37
